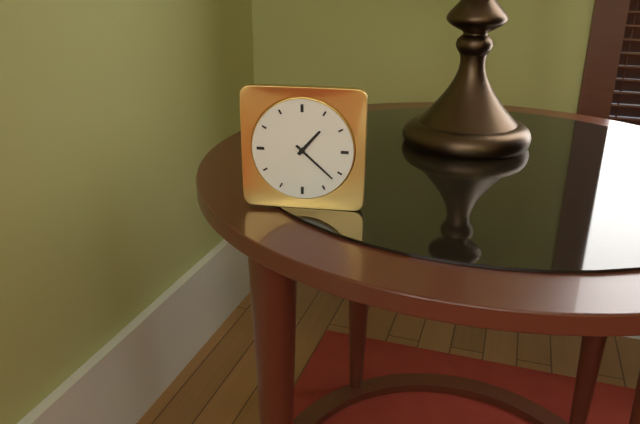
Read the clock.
1:22
